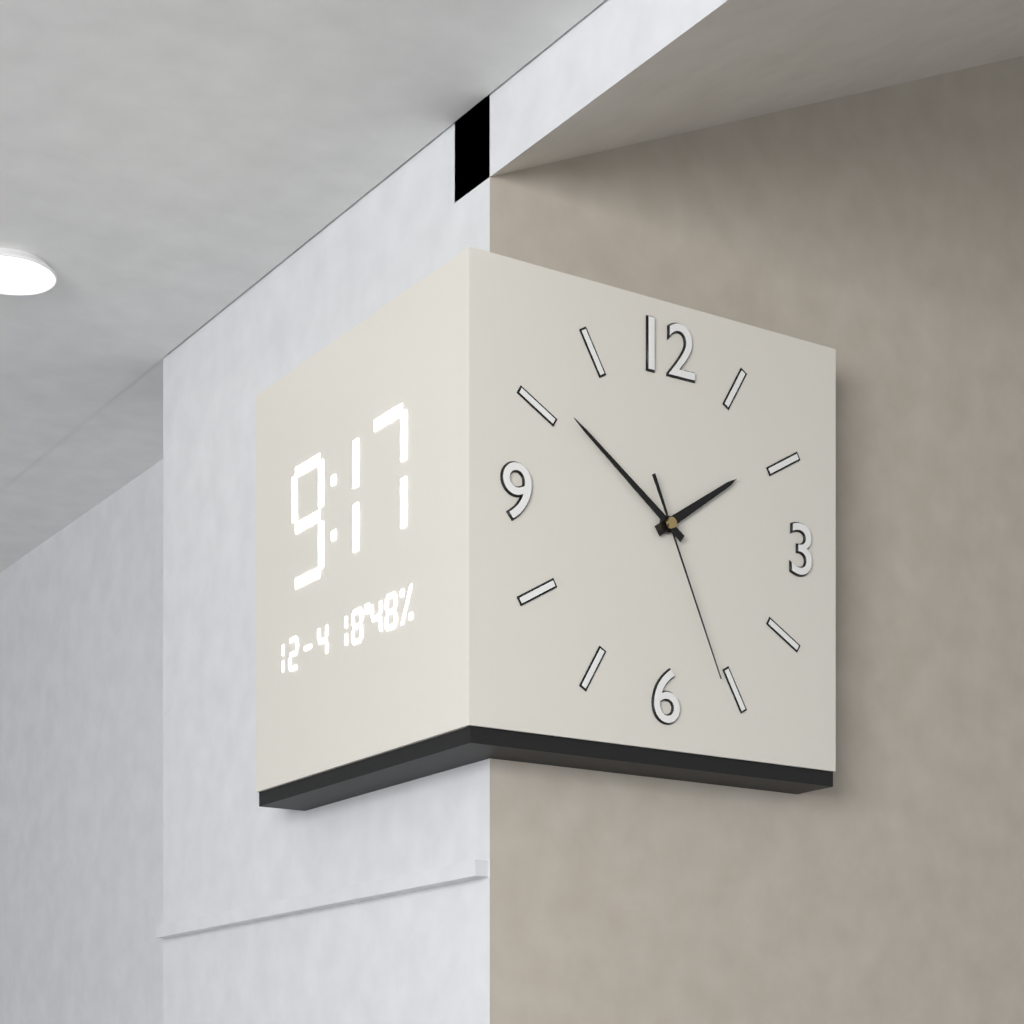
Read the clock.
1:51:26
